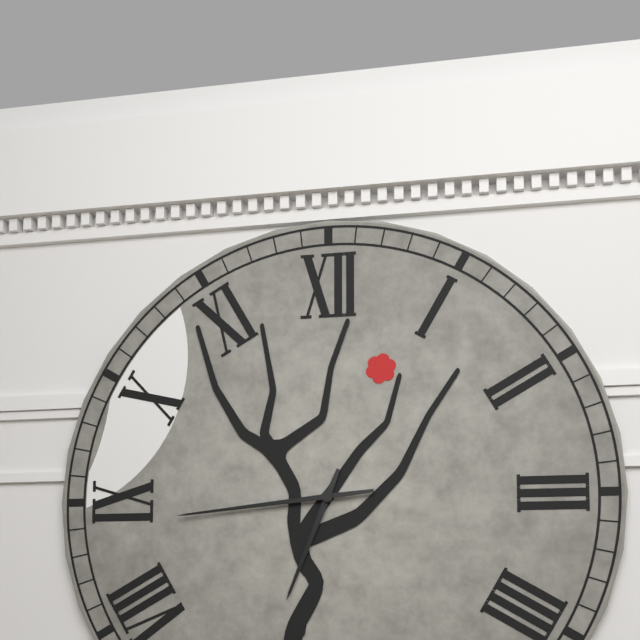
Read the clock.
6:44
